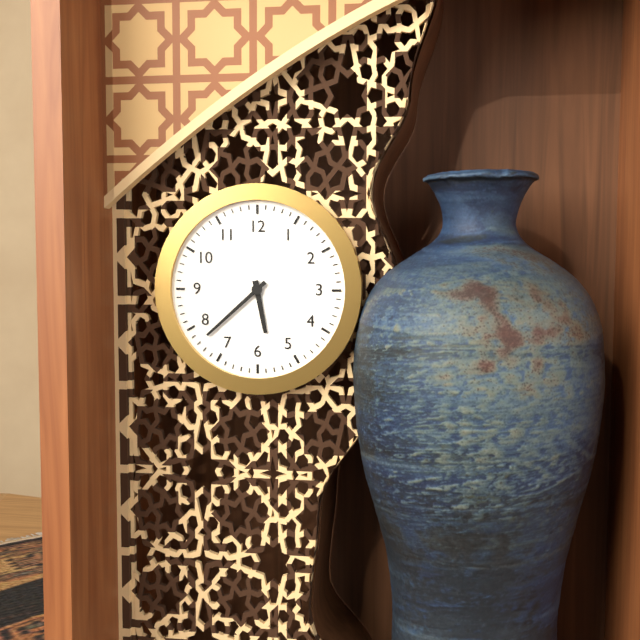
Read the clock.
5:38
